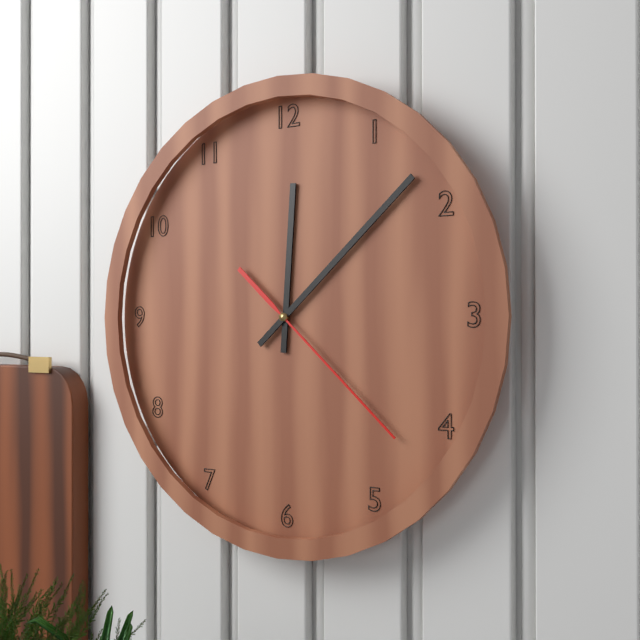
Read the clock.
12:08:22
